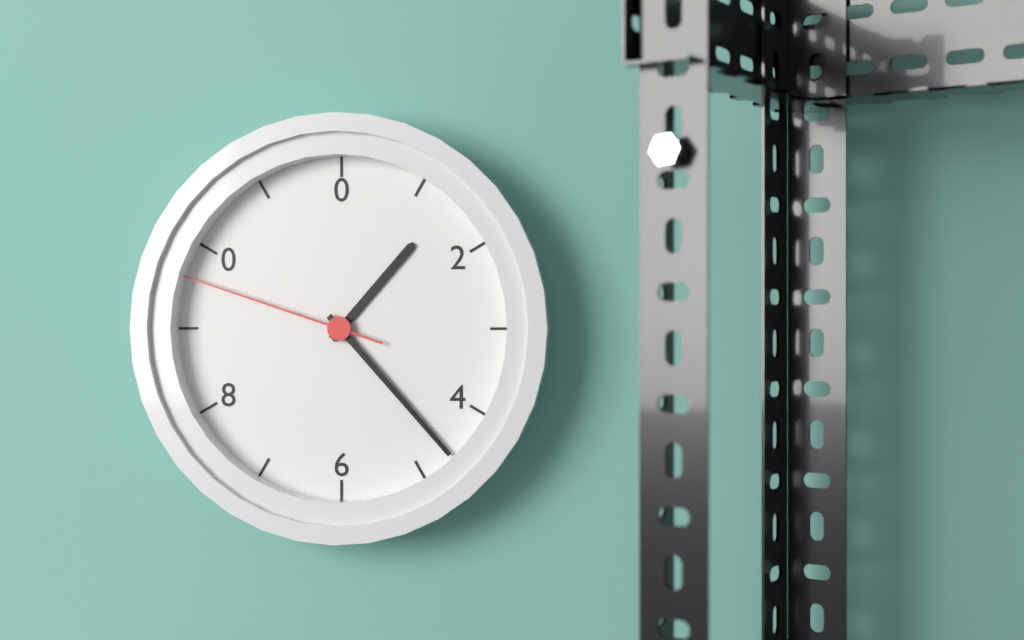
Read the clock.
1:23:48
